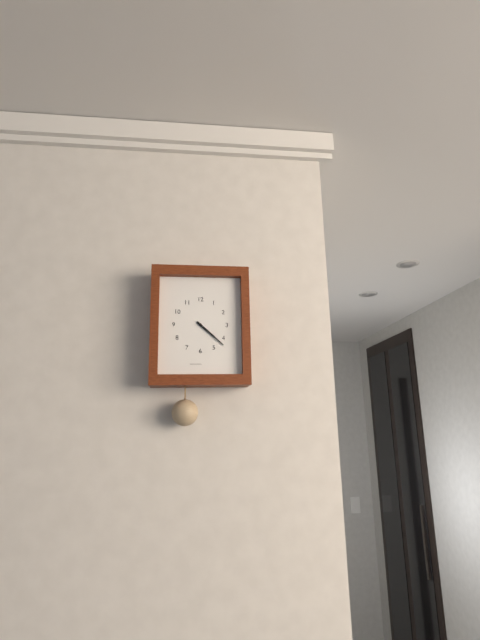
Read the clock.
4:22
